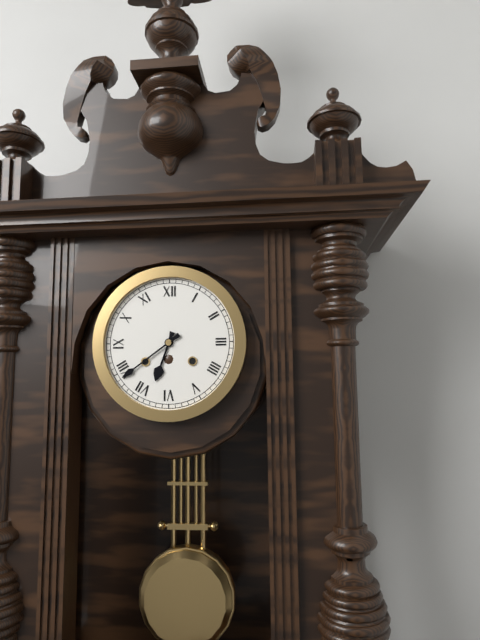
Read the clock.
6:39
